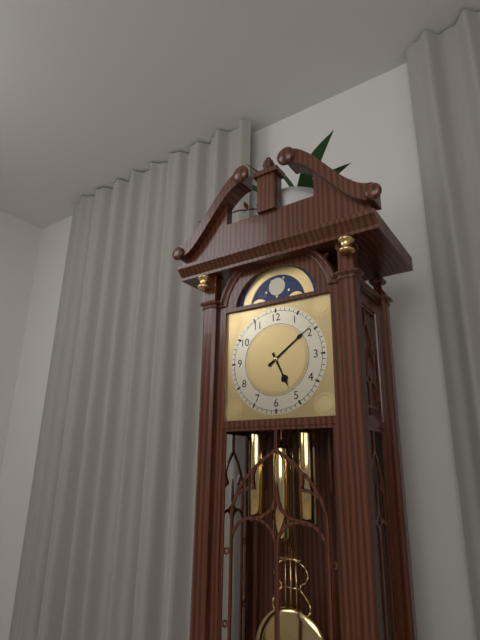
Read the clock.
5:09
